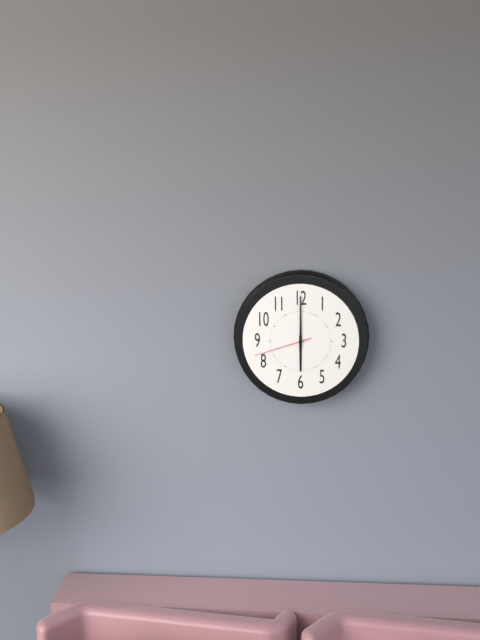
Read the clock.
6:00:42
